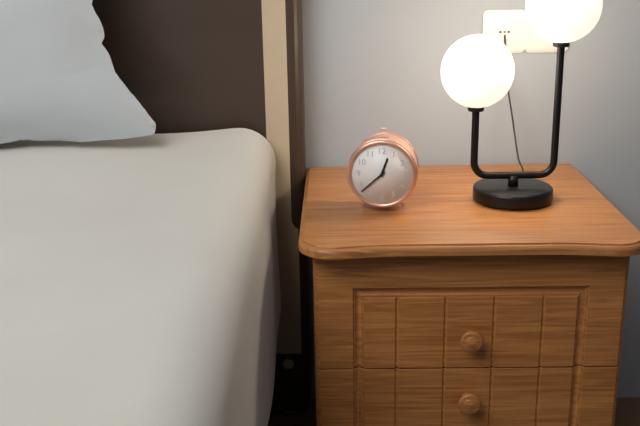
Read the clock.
12:38
